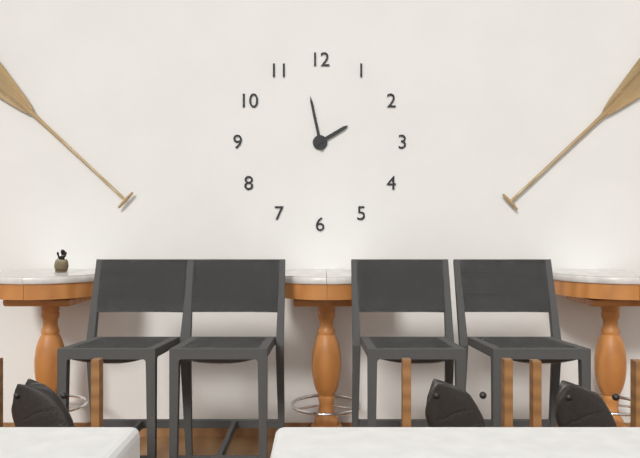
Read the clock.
1:58
